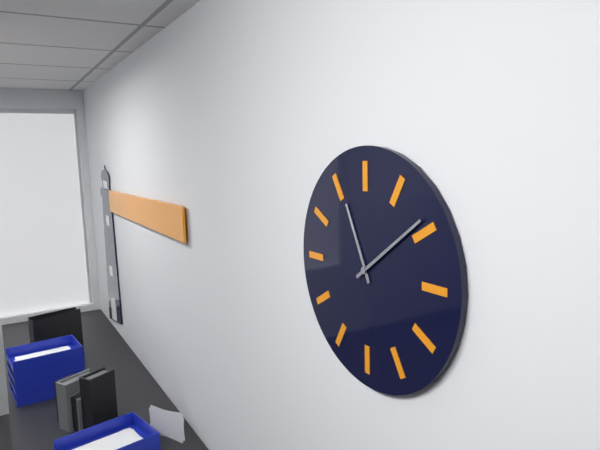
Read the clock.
11:09
